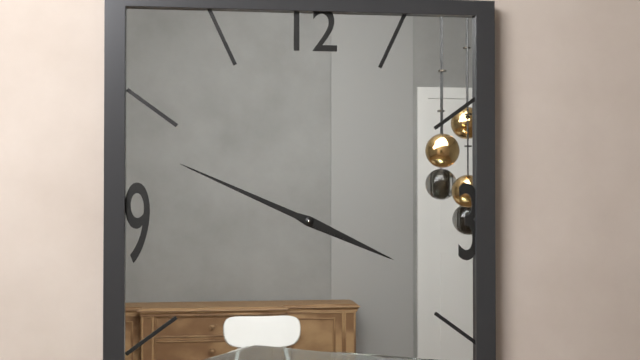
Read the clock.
3:49
